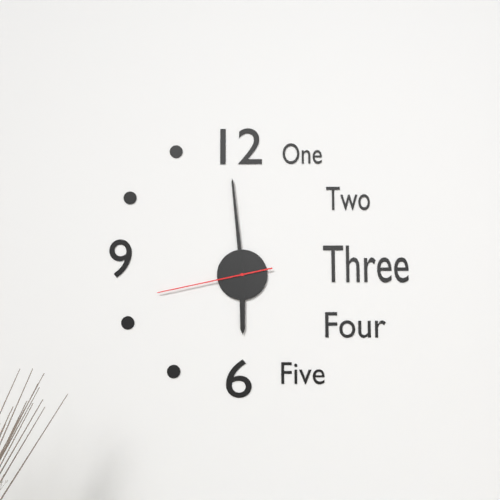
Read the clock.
5:59:43
